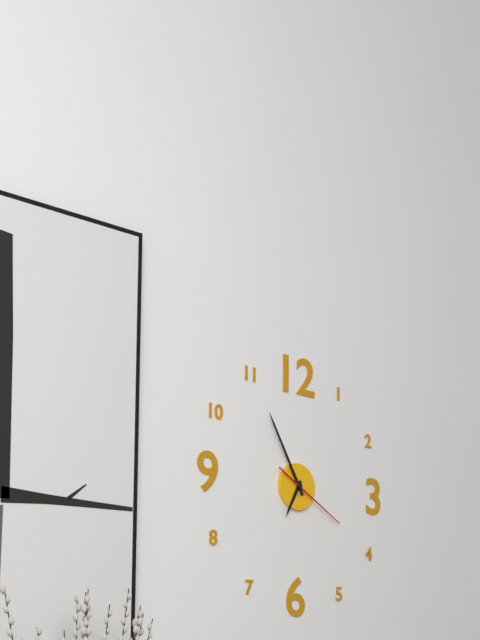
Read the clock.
6:55:20
